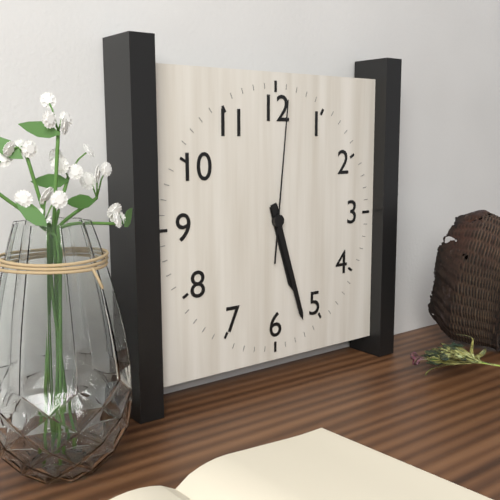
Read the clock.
5:27:01
